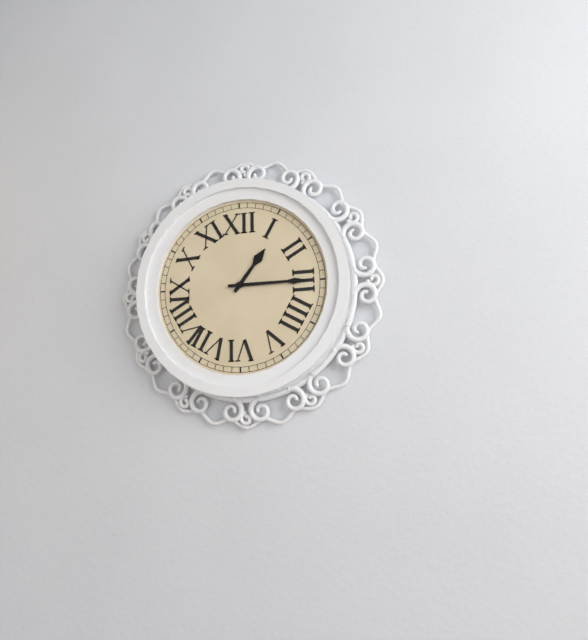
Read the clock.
1:15
